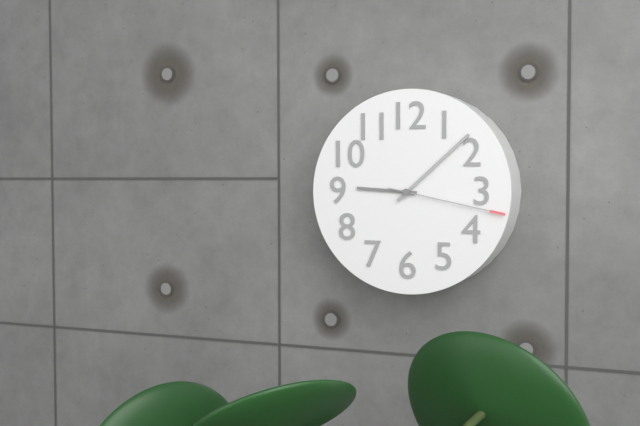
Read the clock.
9:08:17
